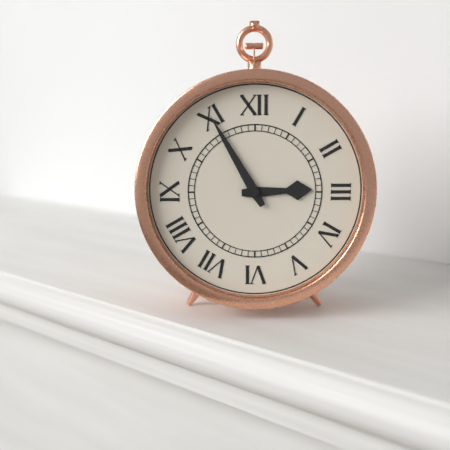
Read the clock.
2:55
